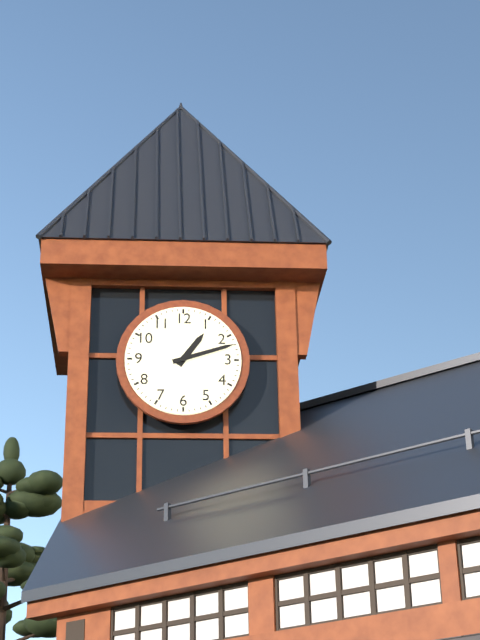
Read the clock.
1:12
